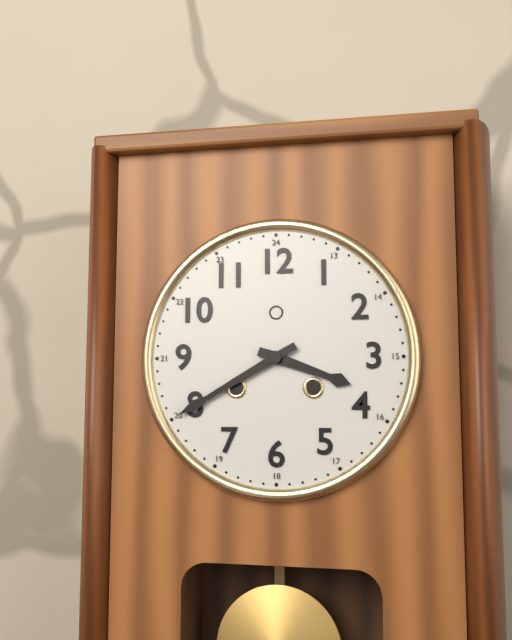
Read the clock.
3:40
